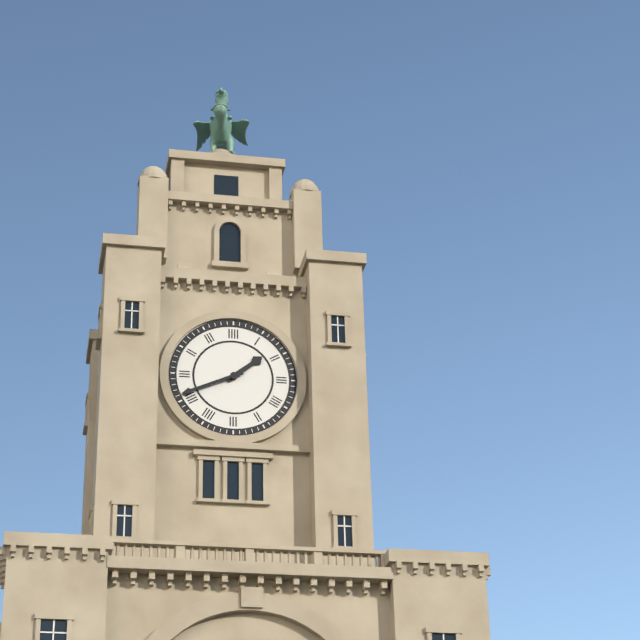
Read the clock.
1:41
